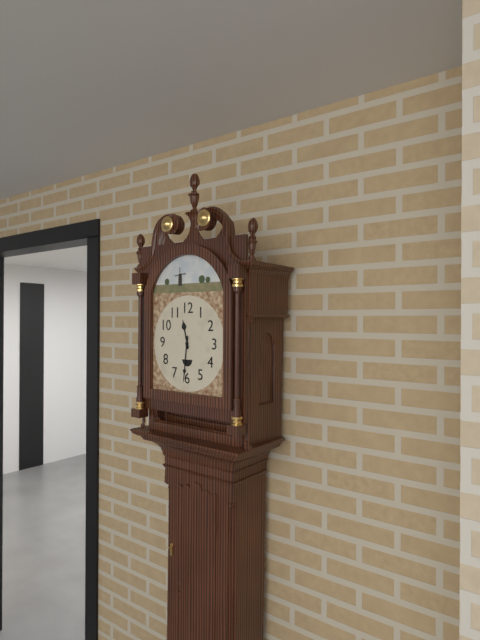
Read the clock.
11:31
